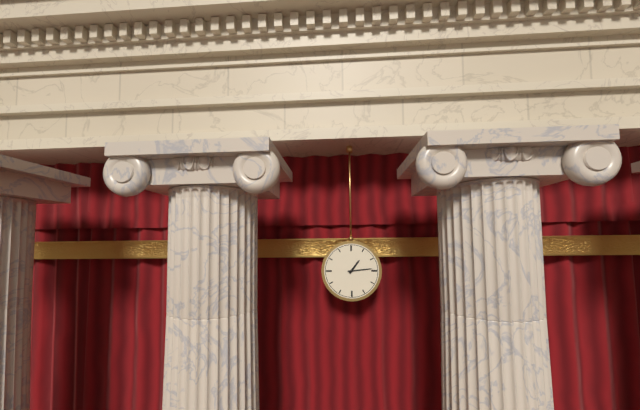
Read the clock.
1:14
